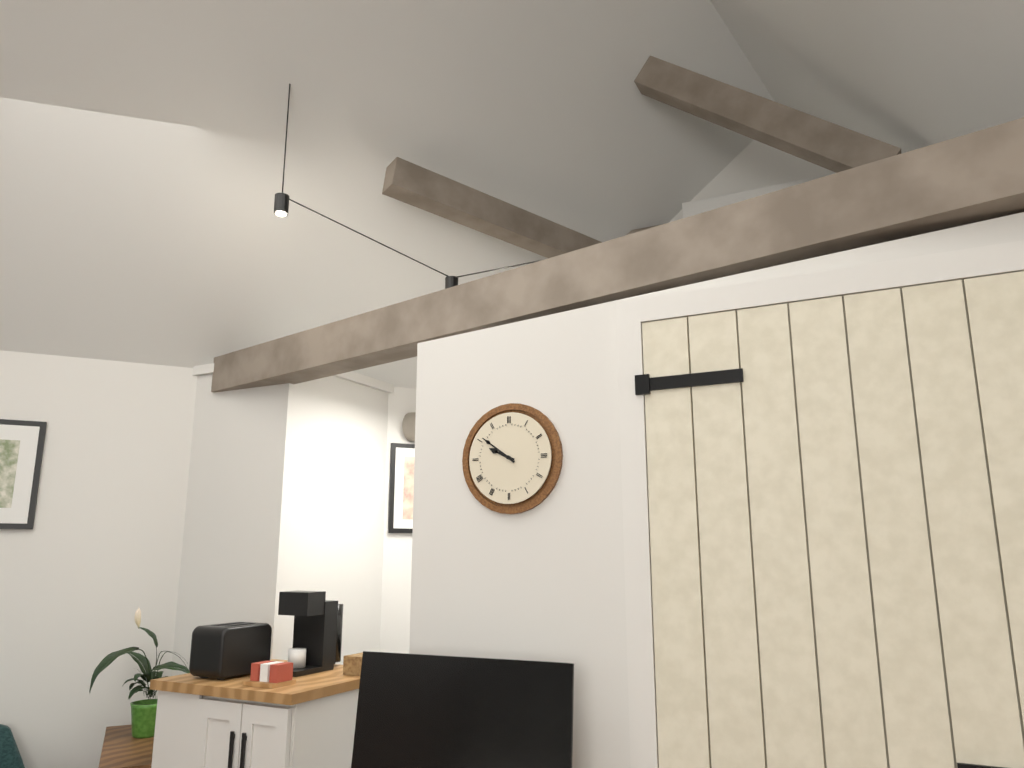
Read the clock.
9:51
